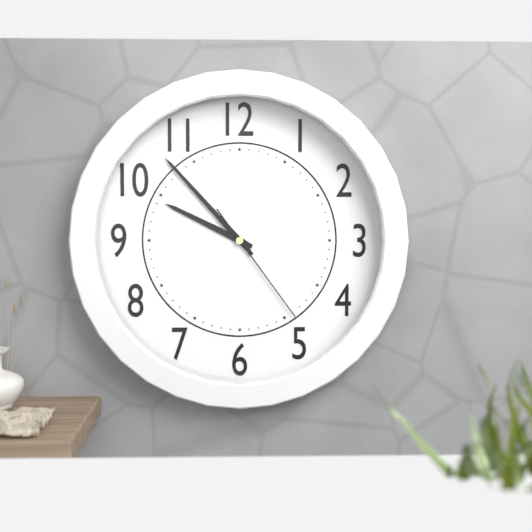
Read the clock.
9:53:24
